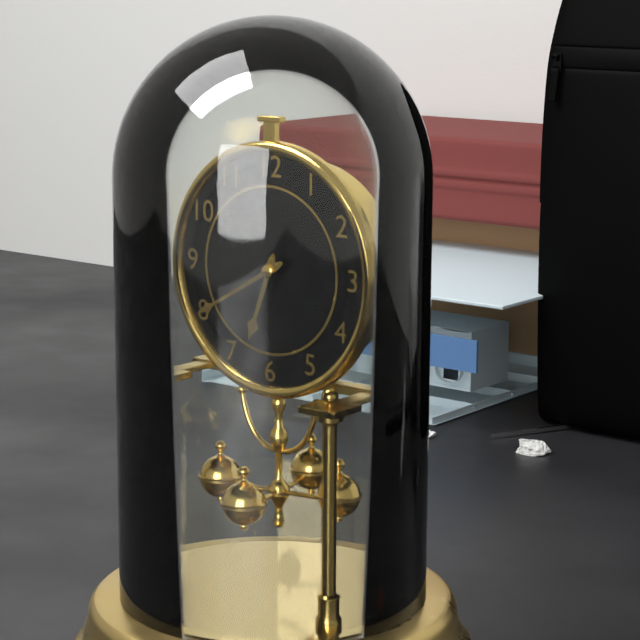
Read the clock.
6:40
